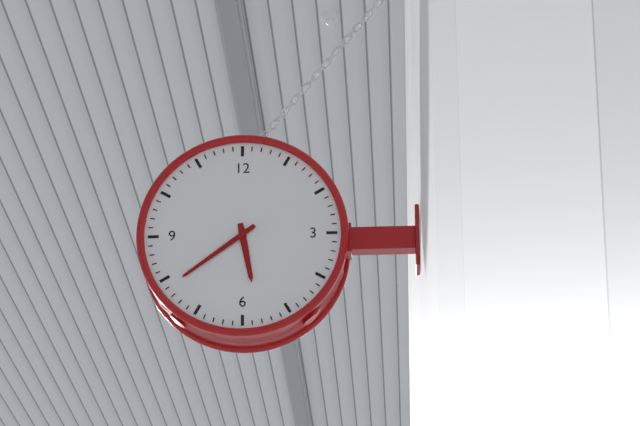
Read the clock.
5:39
